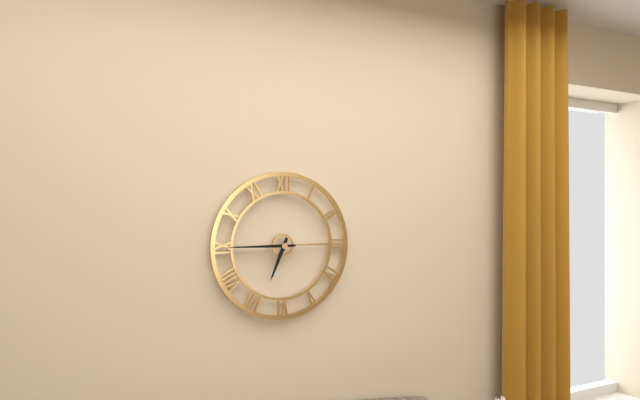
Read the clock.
6:45
